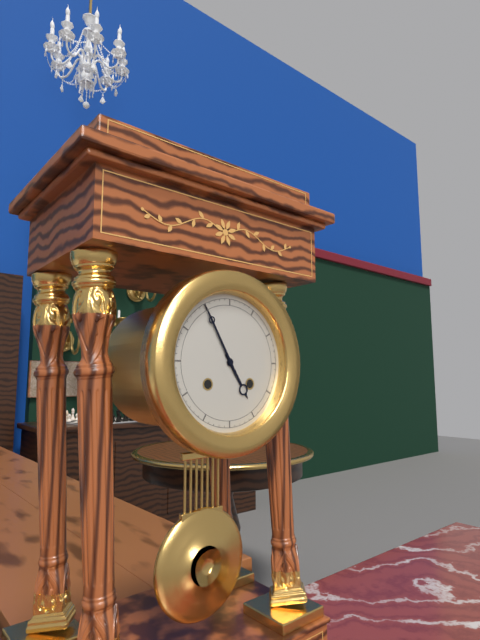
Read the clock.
4:55
